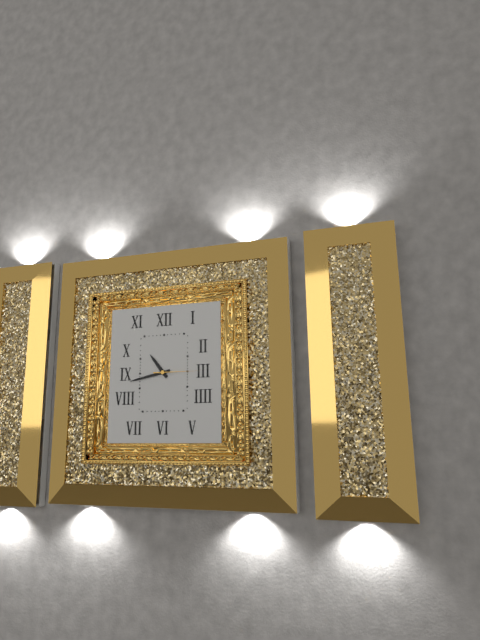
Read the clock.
10:43
